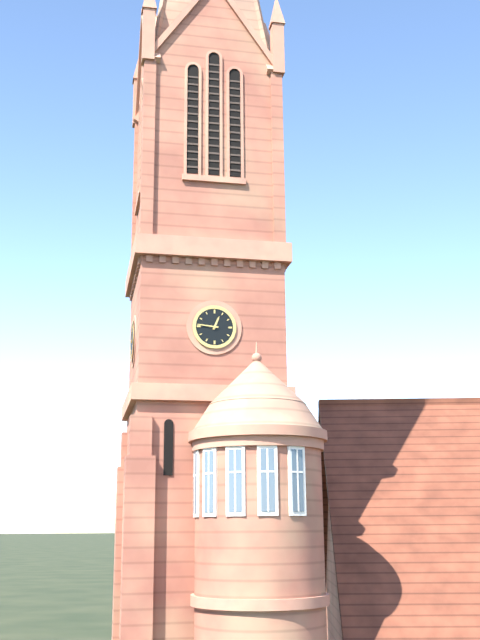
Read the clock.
12:46
